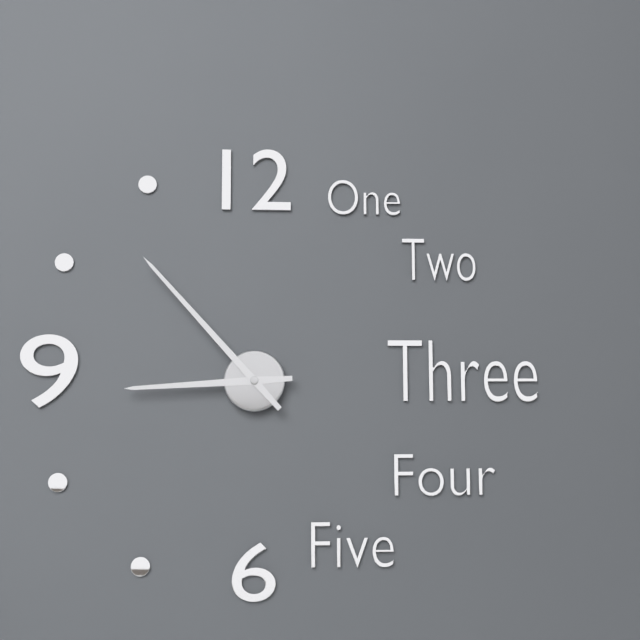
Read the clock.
8:53
